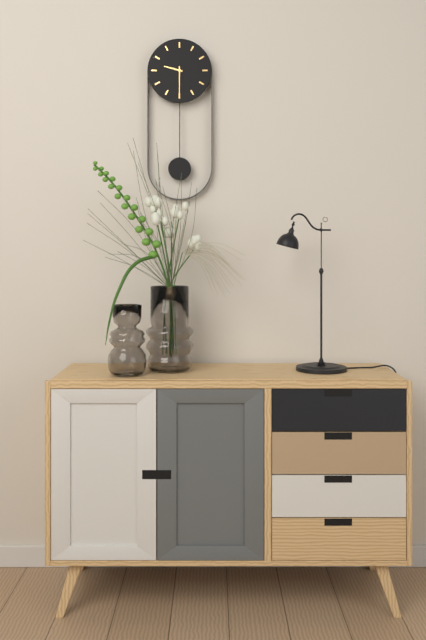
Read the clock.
9:30
